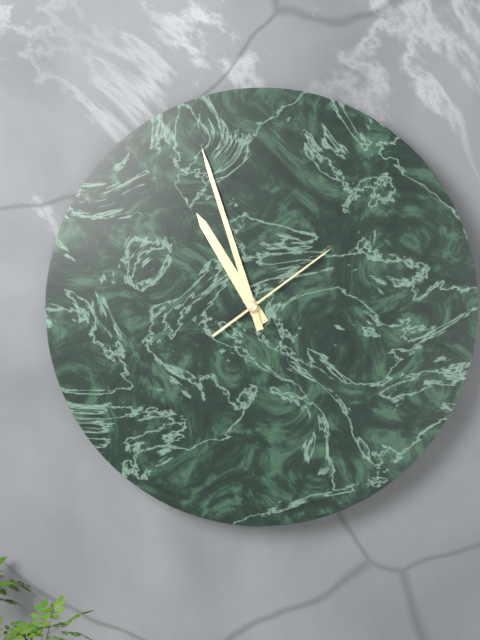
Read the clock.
10:57:09
